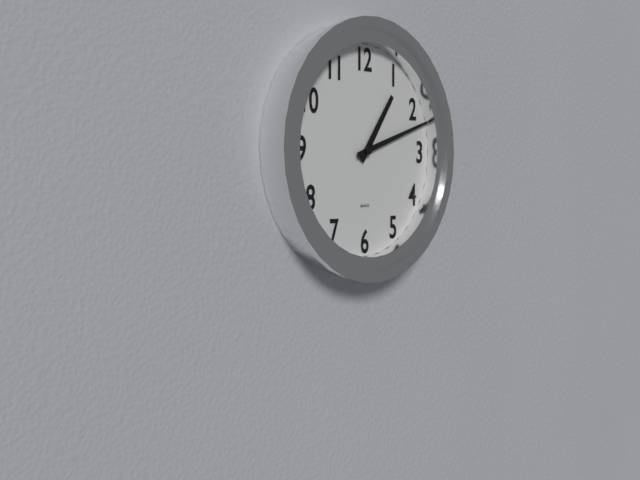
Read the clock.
1:12
